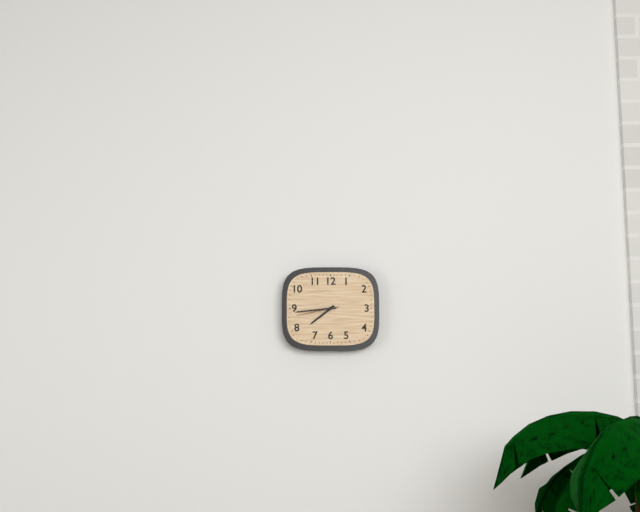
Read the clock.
7:44
